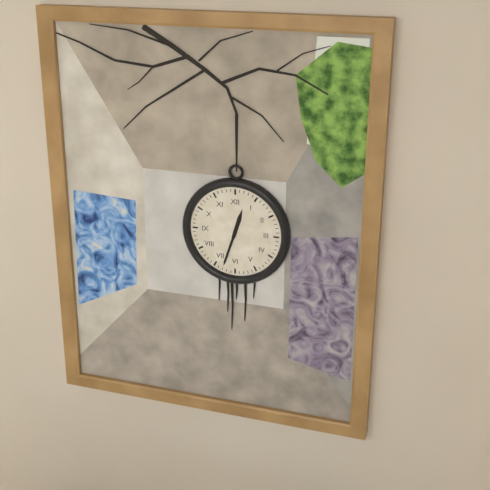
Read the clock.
12:33
